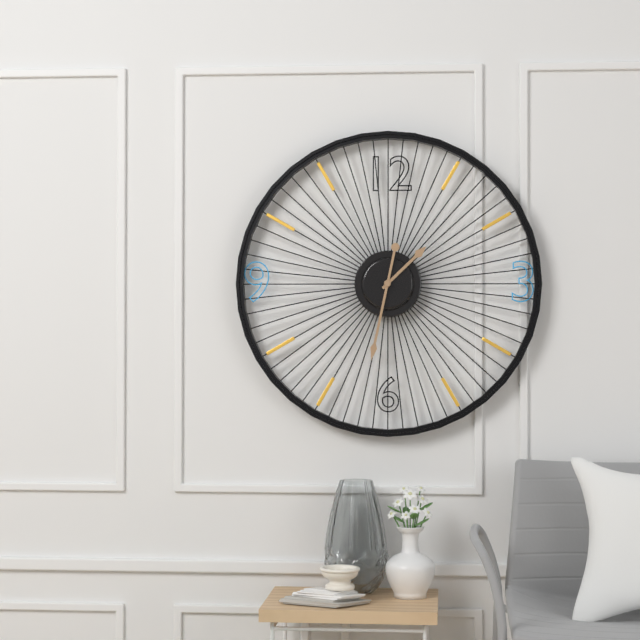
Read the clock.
1:32
